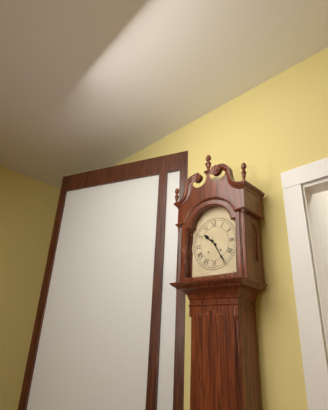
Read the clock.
10:25
